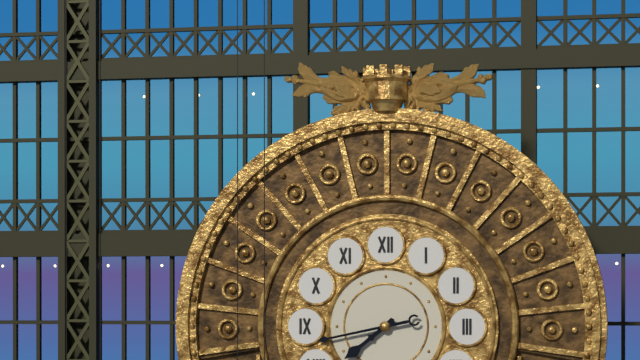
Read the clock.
7:43
